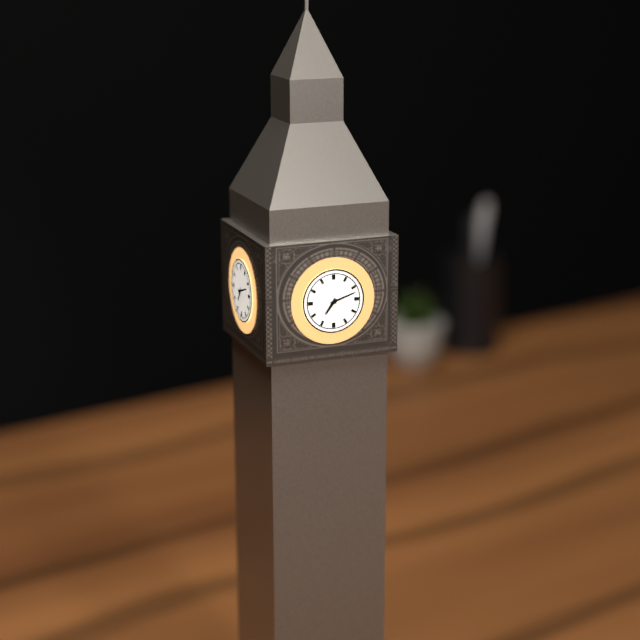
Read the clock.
7:12
